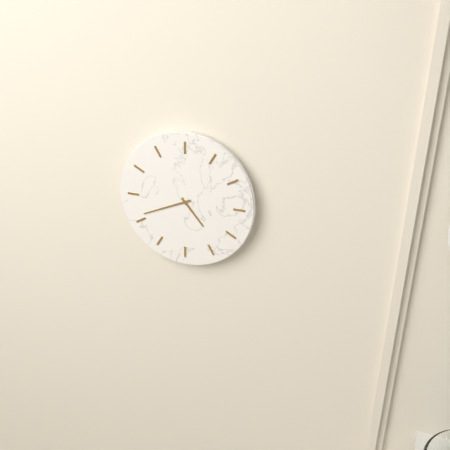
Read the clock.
4:41
